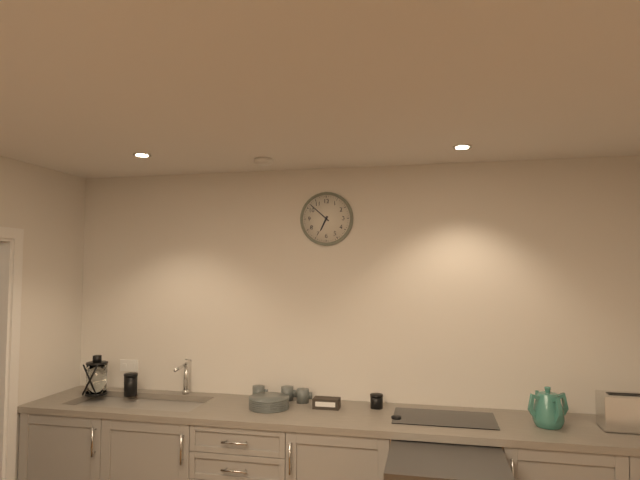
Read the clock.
6:52
